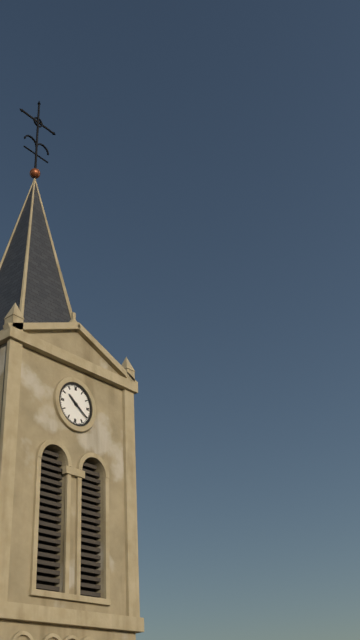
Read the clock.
10:21
